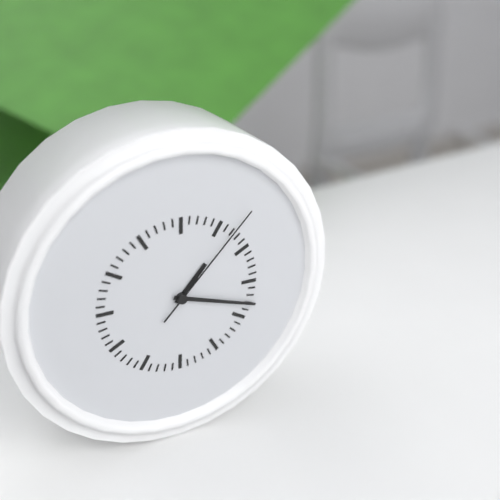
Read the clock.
1:18:07
